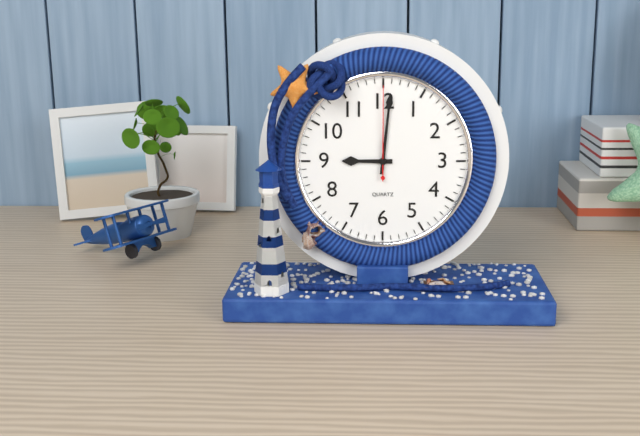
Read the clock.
9:01:00
